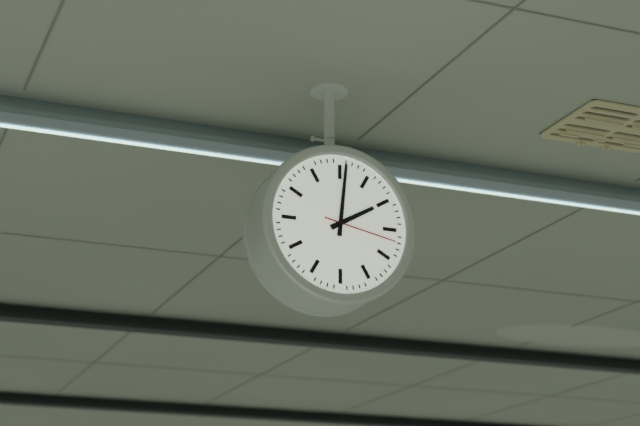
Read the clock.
2:01:17
